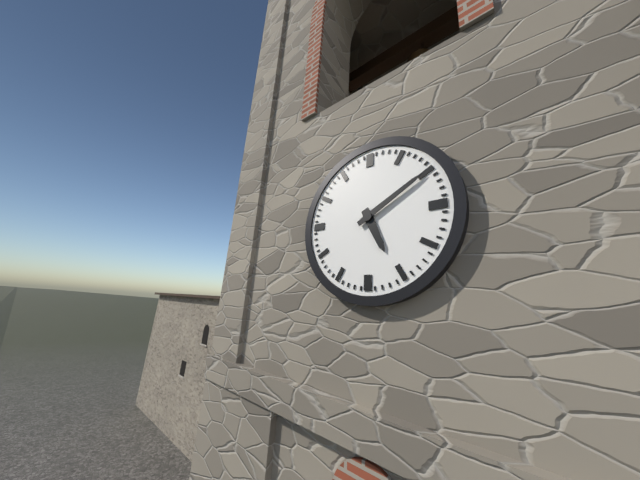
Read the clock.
5:10
